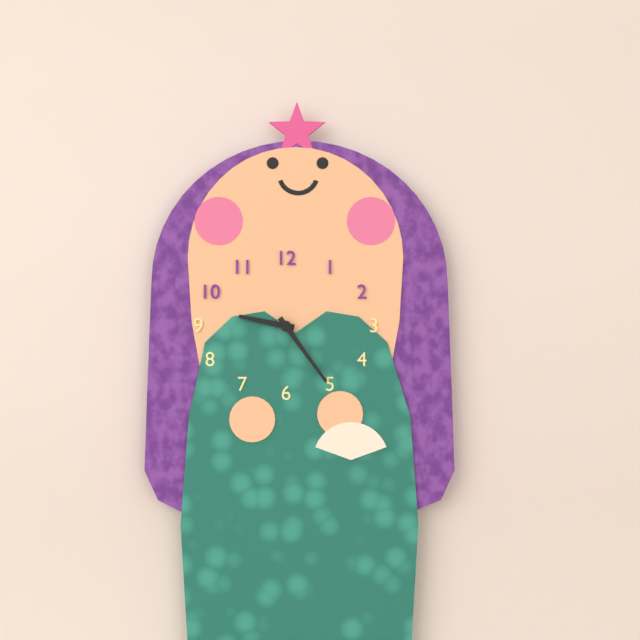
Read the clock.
9:24
